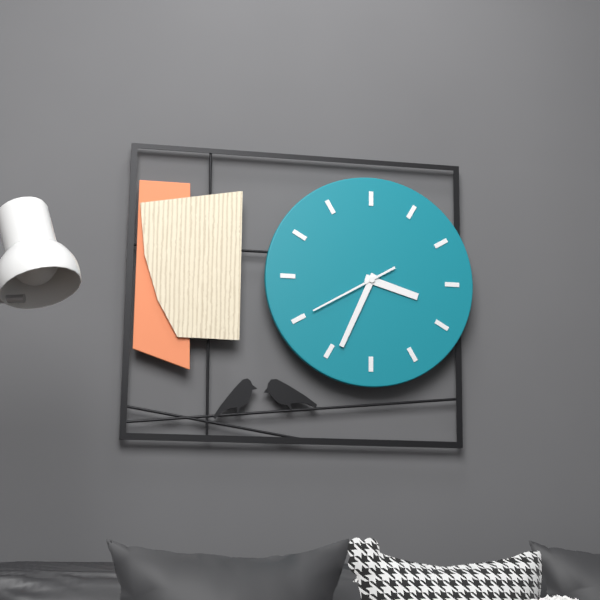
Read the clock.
3:34:40
